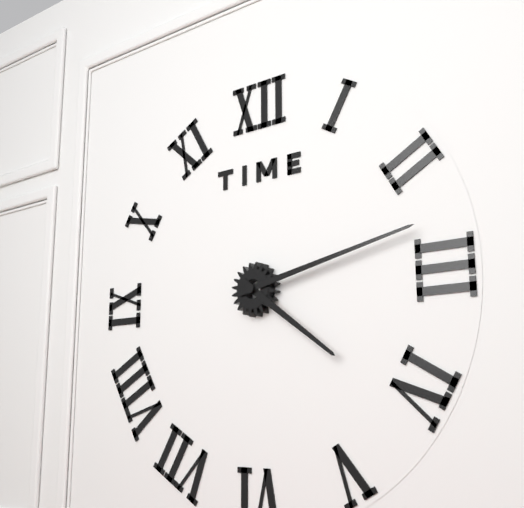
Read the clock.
4:13
